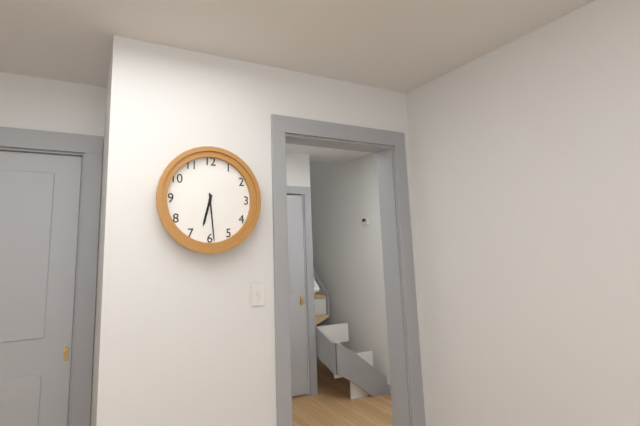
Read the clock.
6:29
